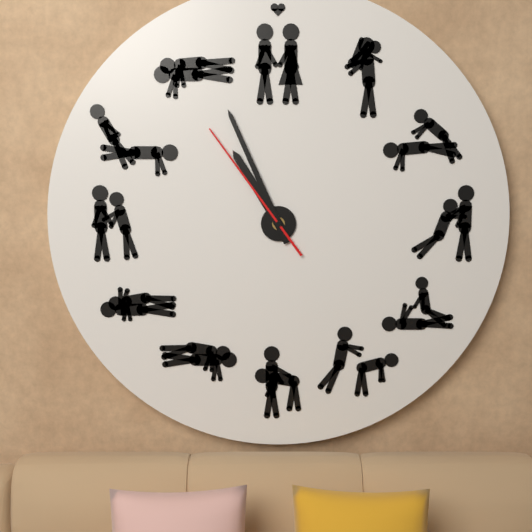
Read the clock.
10:56:54
